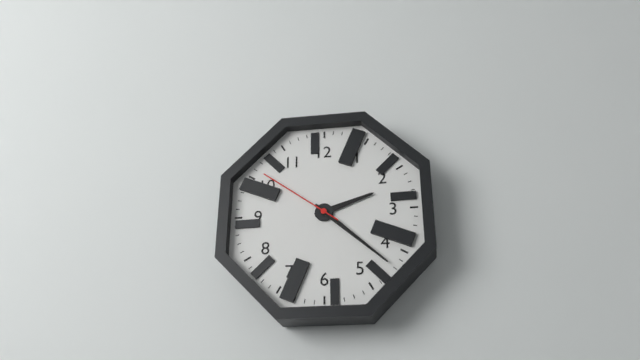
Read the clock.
2:22:51
